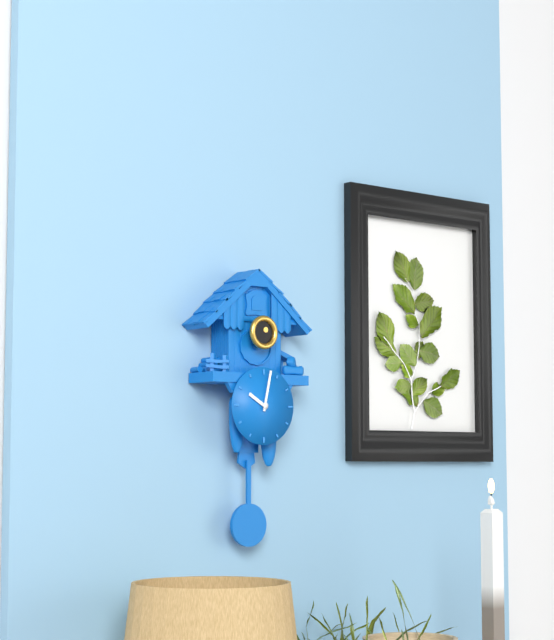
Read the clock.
10:02
